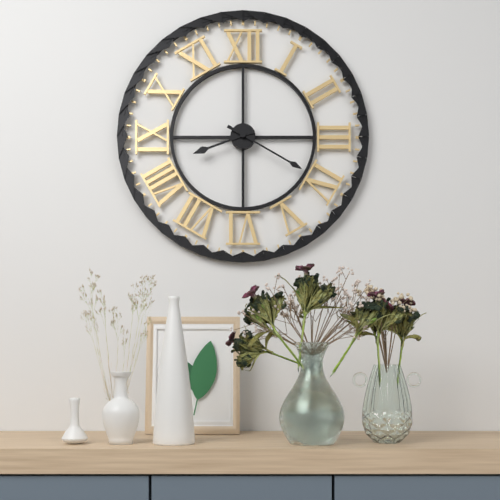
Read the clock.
8:20
